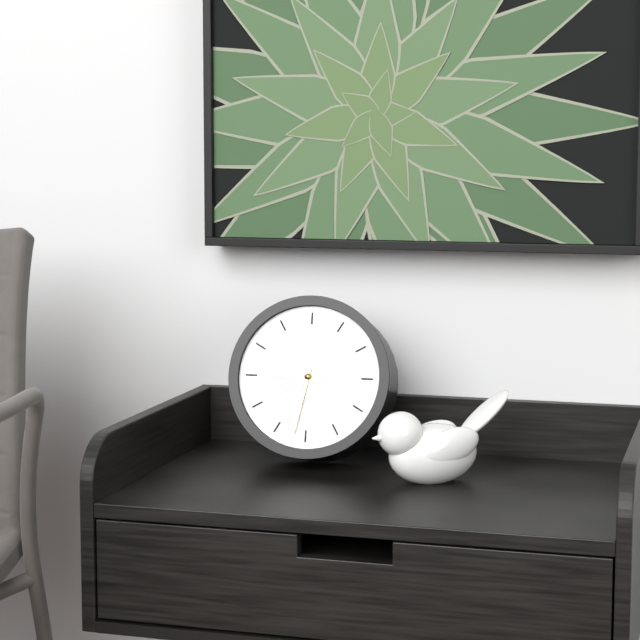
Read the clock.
10:32
